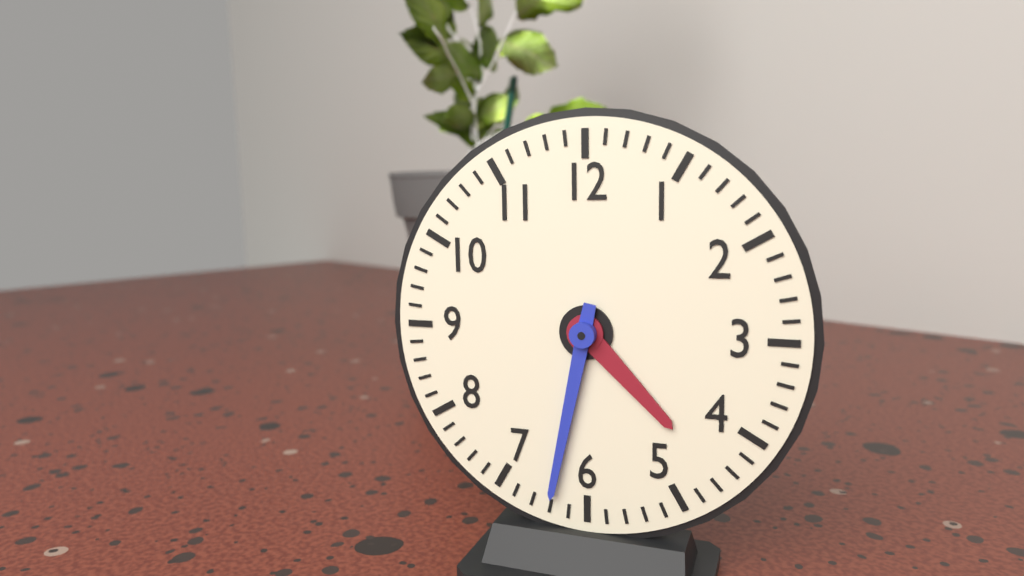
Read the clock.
4:32
